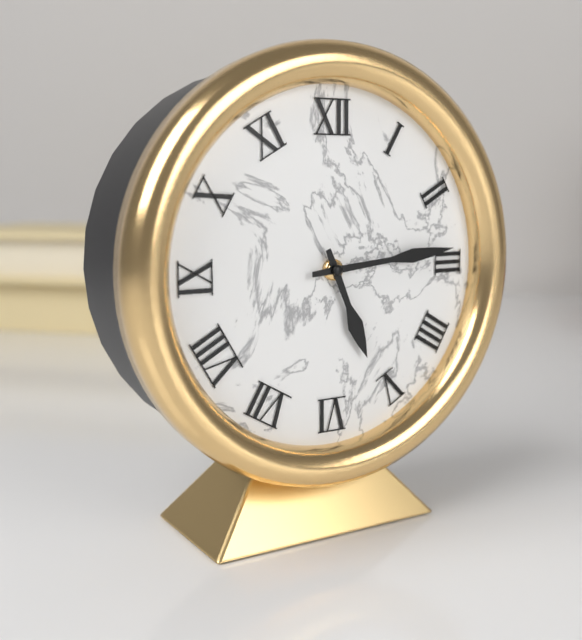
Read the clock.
5:14
